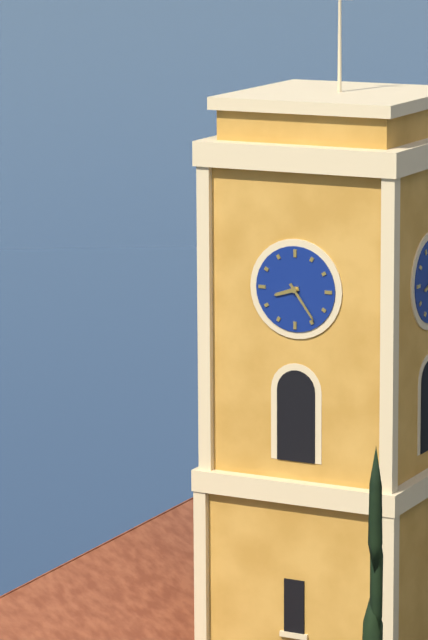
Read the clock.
8:24
